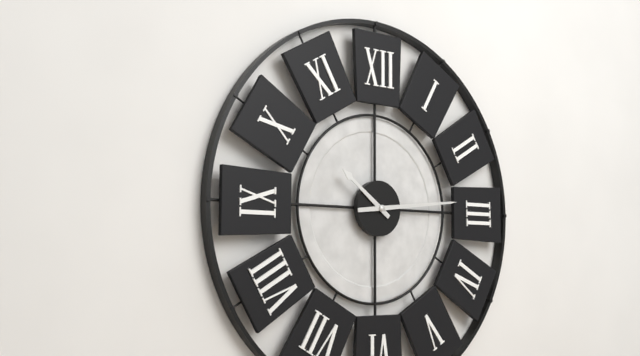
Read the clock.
10:14
